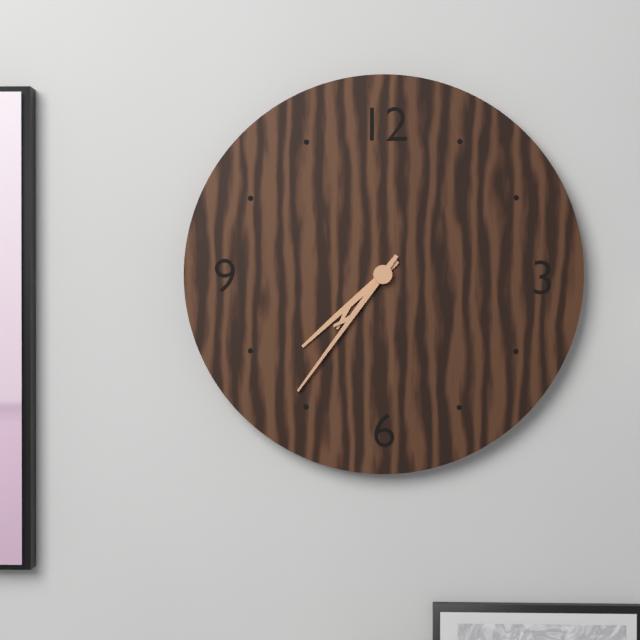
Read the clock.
7:36
